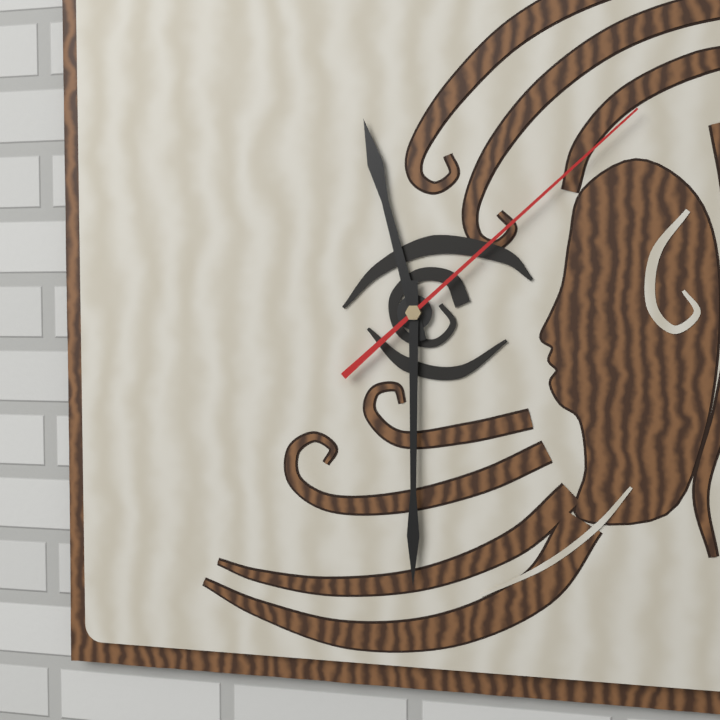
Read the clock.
11:30:08
